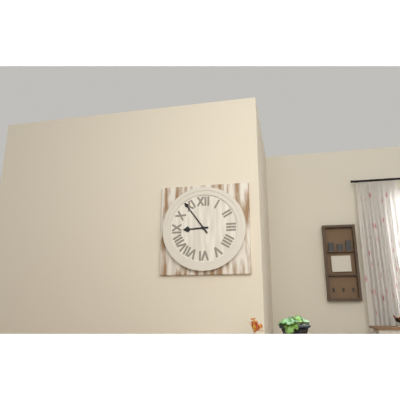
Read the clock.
8:54
